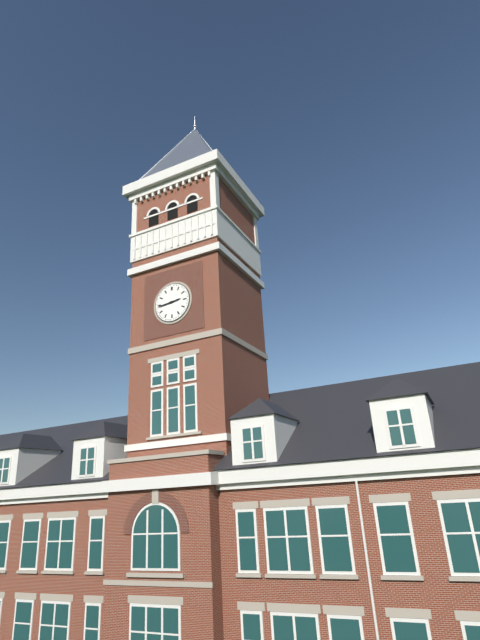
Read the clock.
2:44
